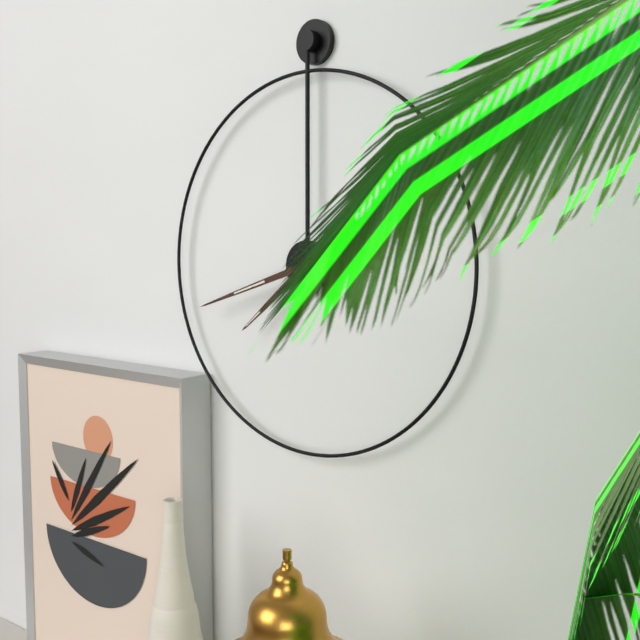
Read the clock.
7:42
